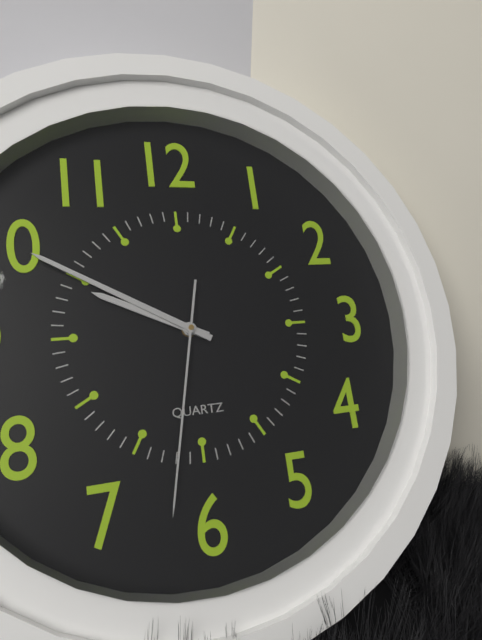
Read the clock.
9:50:32
